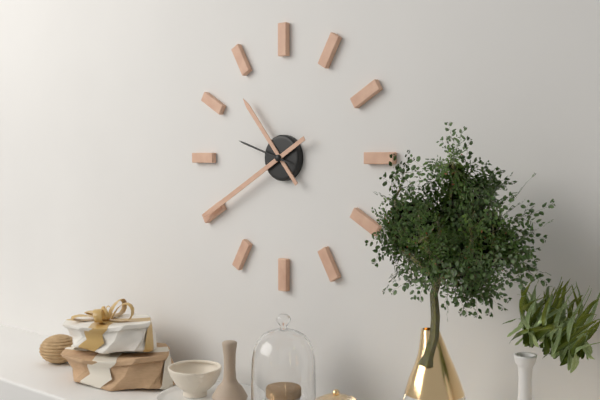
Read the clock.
10:40:48
